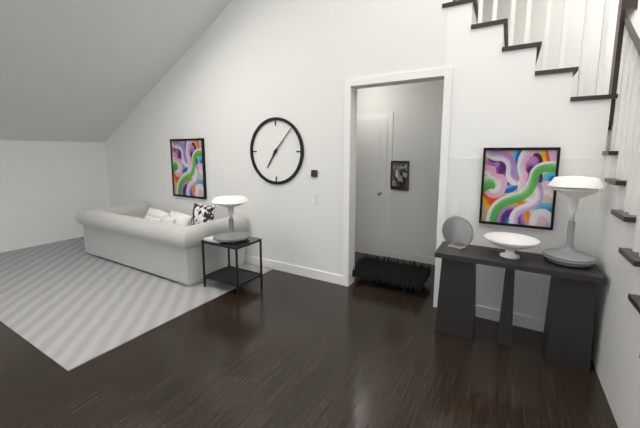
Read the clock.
7:07
